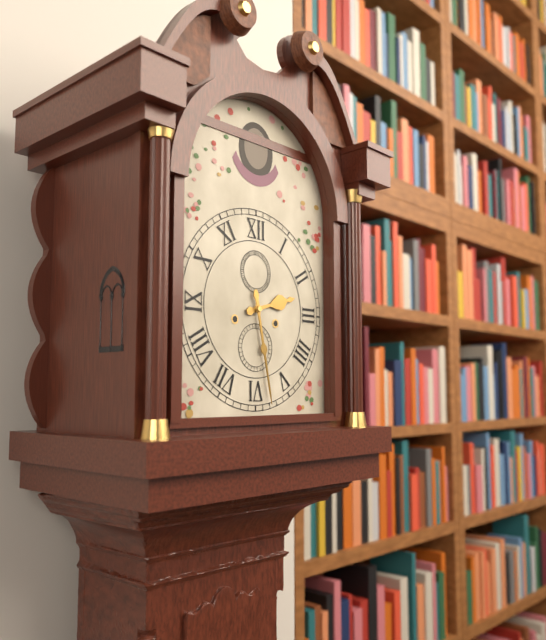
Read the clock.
2:28
